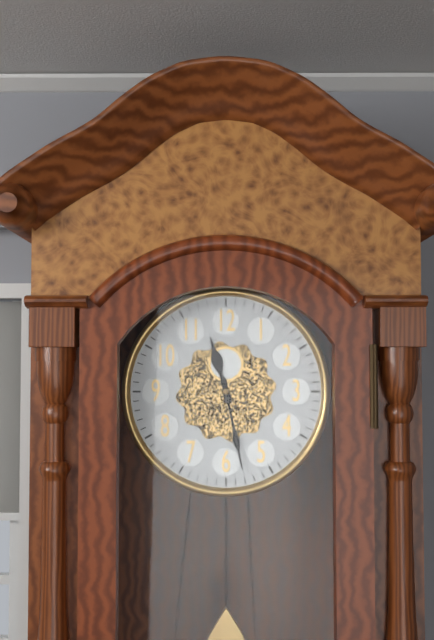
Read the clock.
11:28
